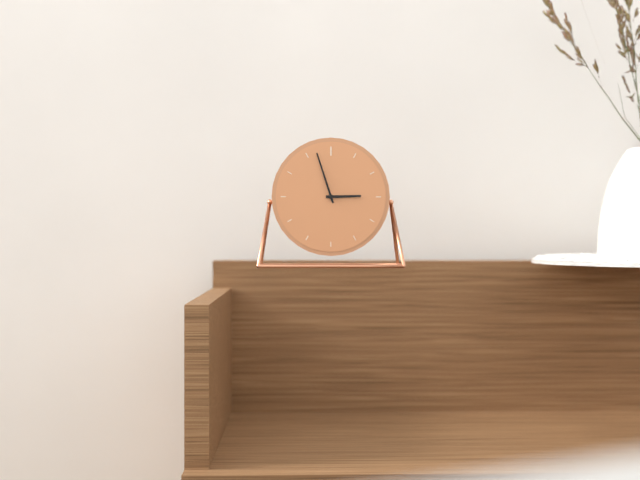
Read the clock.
2:57
